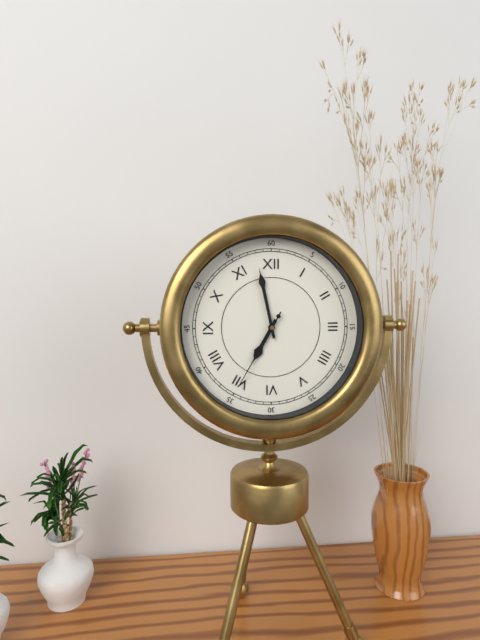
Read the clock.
6:58:35
